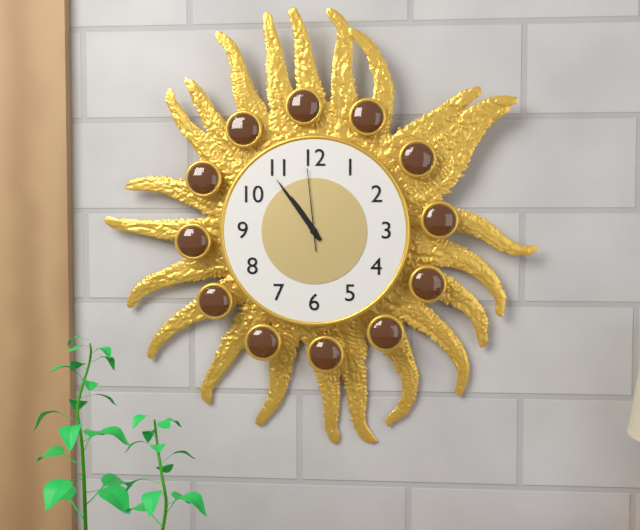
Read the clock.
10:54:59
